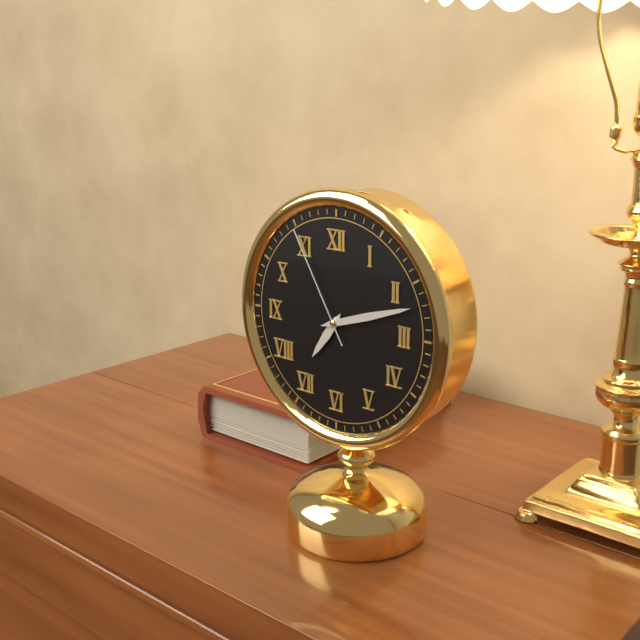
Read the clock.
7:12:55
